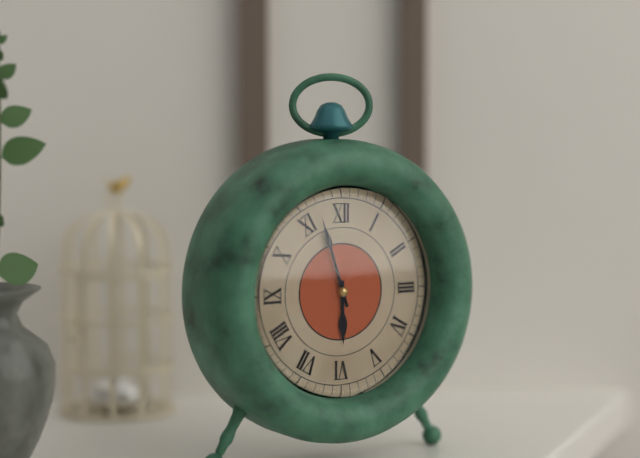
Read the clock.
5:57
